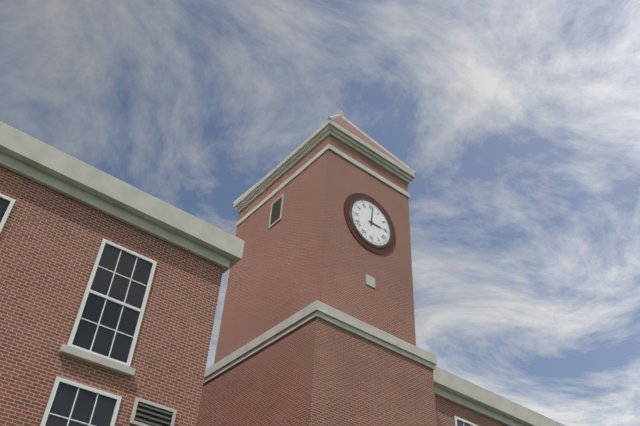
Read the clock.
3:01
